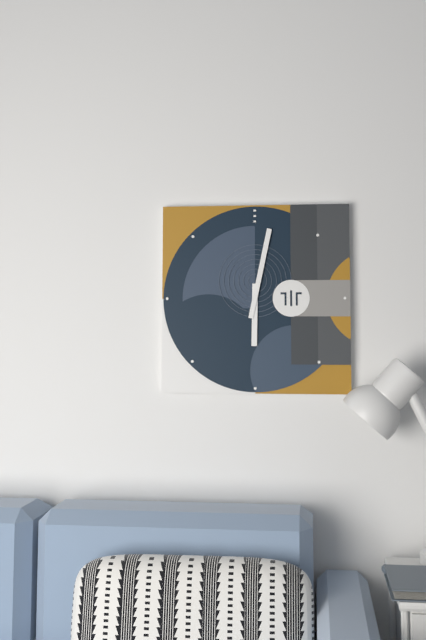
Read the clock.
6:02
